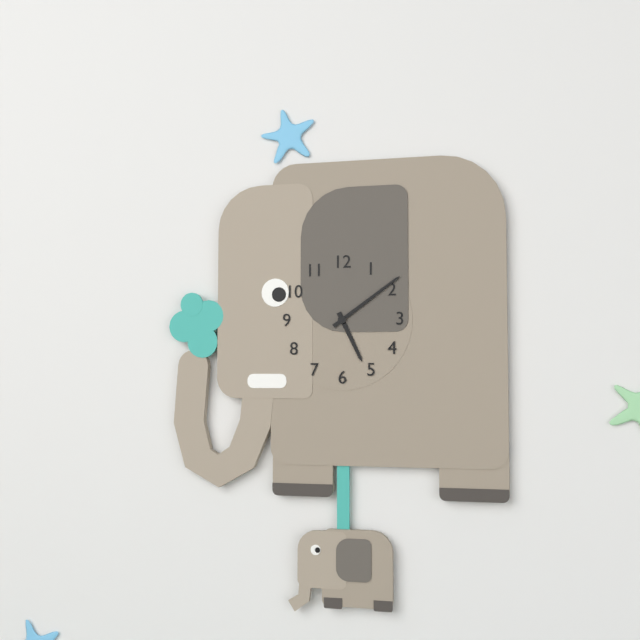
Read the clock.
5:09
